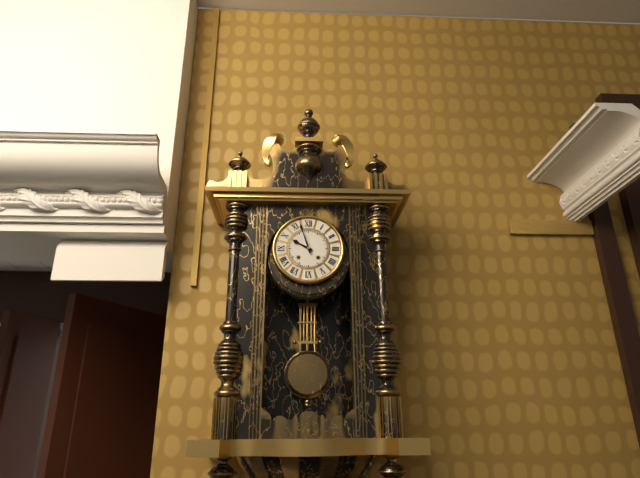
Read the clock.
9:57
